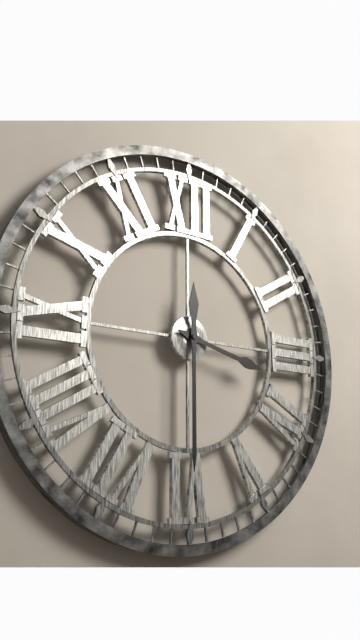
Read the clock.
3:30
